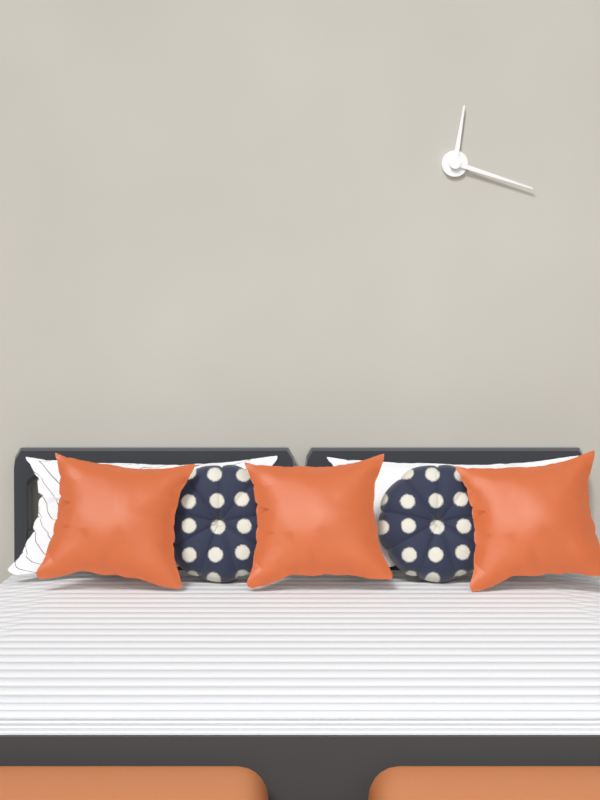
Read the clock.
12:18
